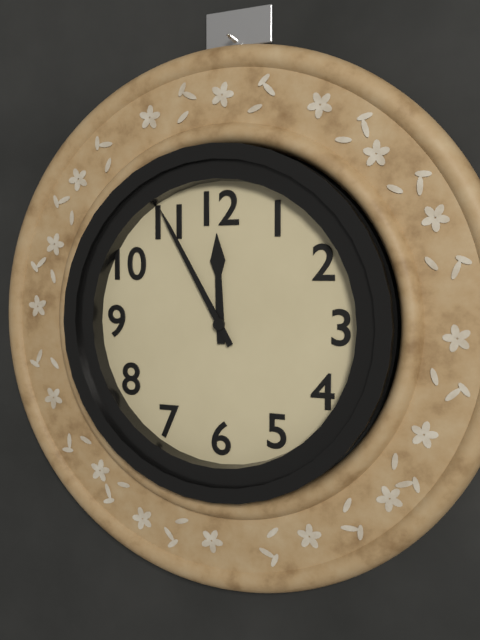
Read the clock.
11:55
